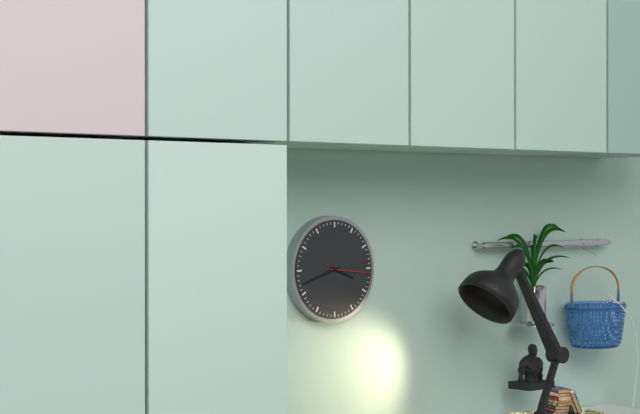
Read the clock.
3:42
